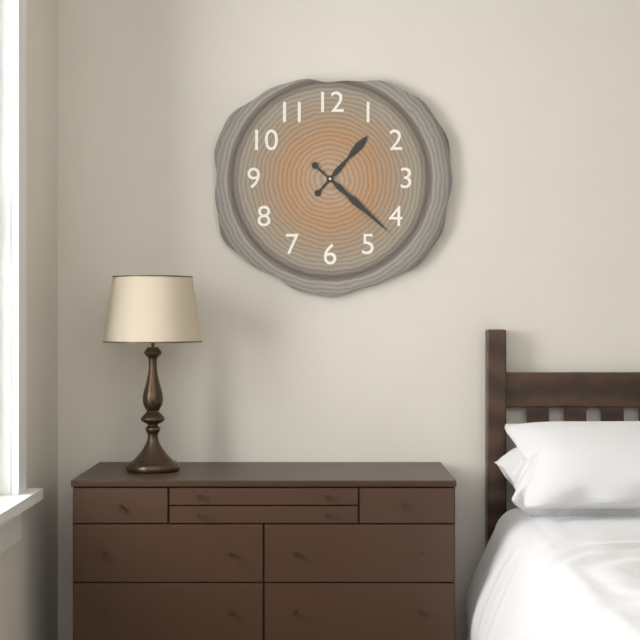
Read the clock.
1:22
